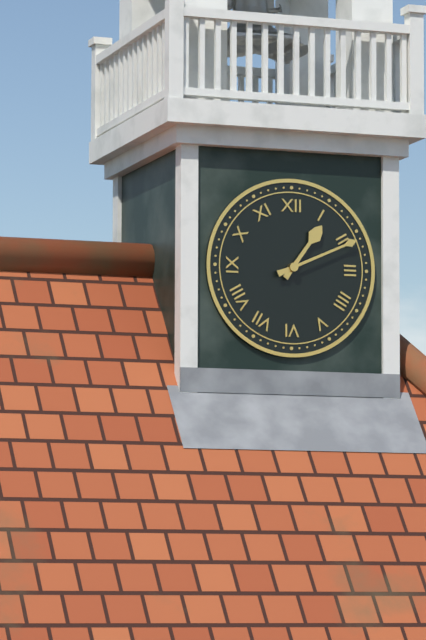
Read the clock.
1:11
